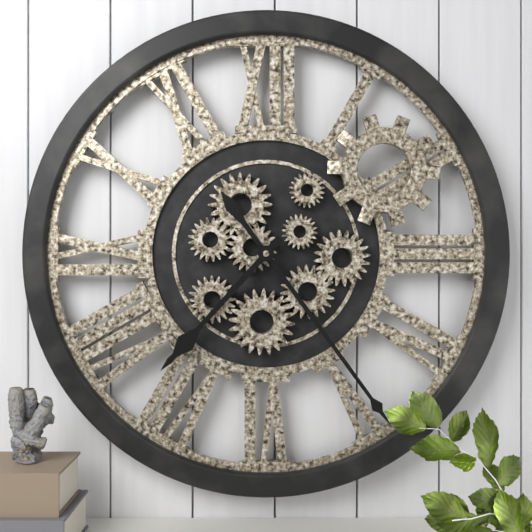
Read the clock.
7:24
